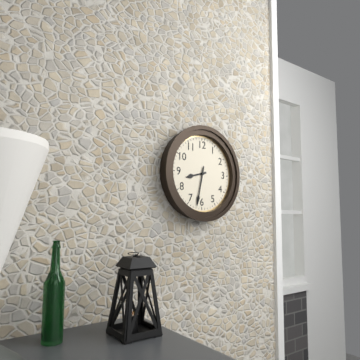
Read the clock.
8:32
